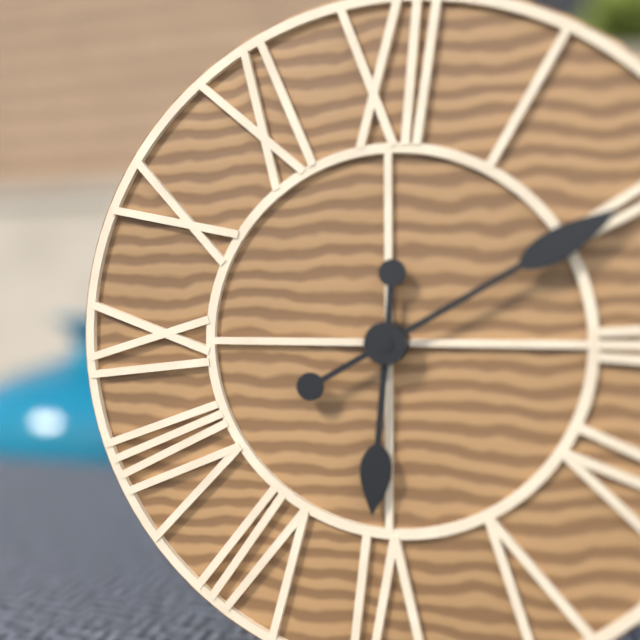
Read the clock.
6:10
